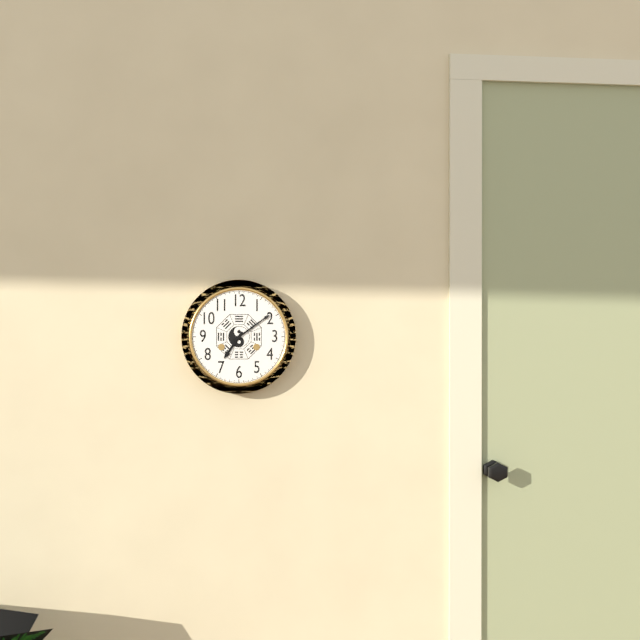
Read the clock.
7:09
